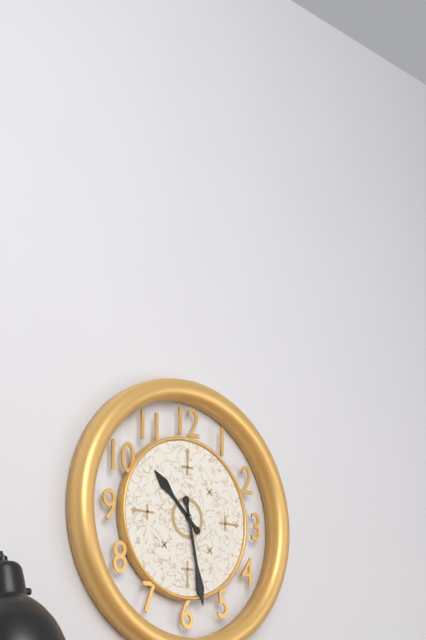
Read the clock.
10:28
